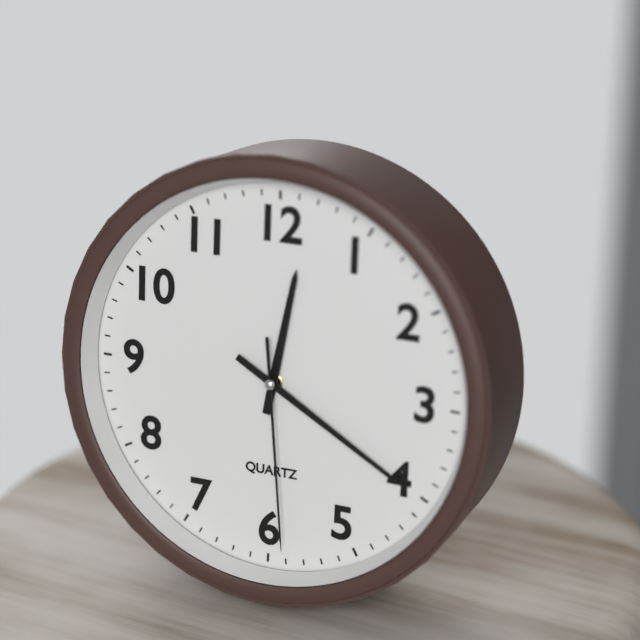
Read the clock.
12:20:29
